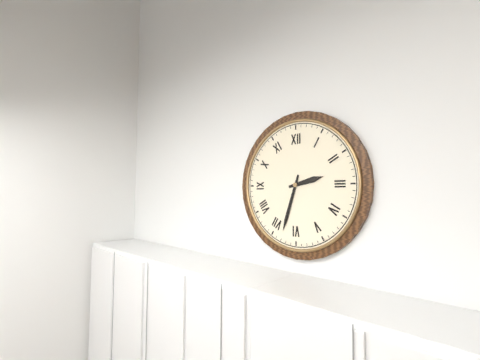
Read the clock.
2:33
